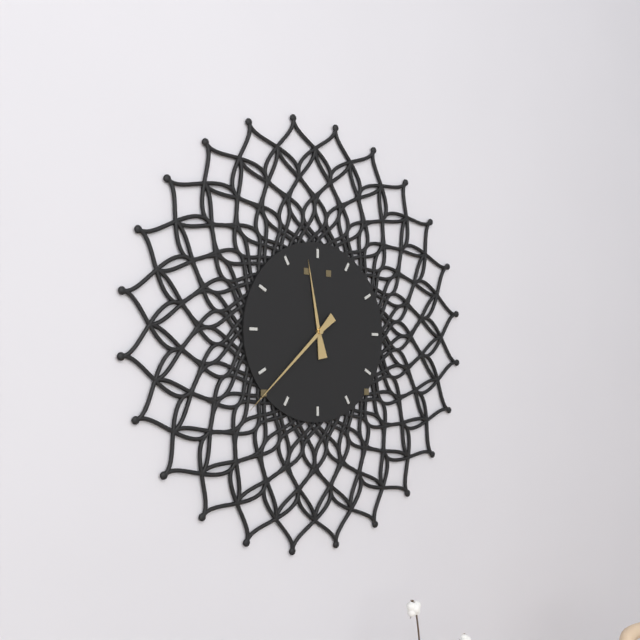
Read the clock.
11:38
